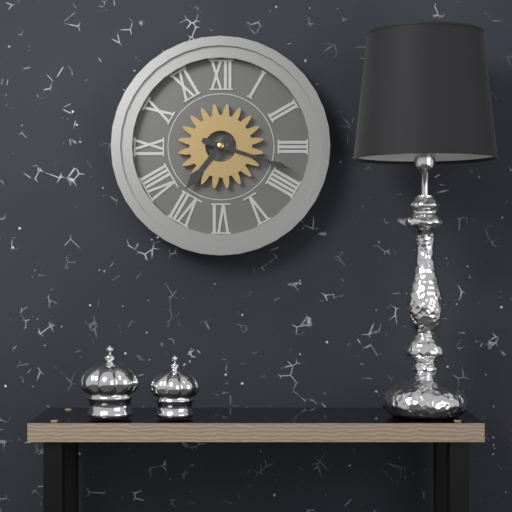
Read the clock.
7:18
